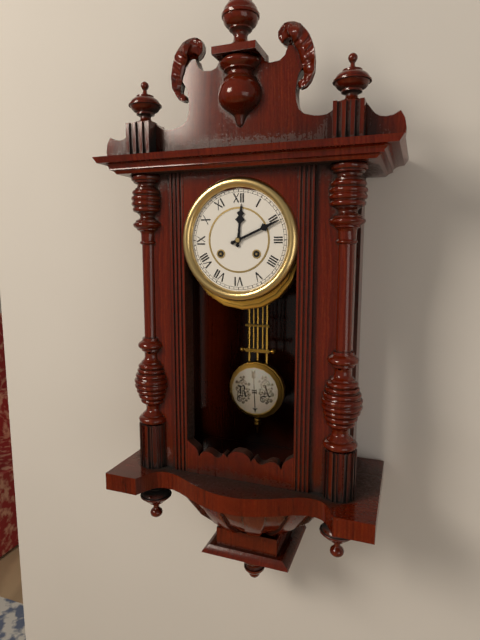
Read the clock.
12:11
